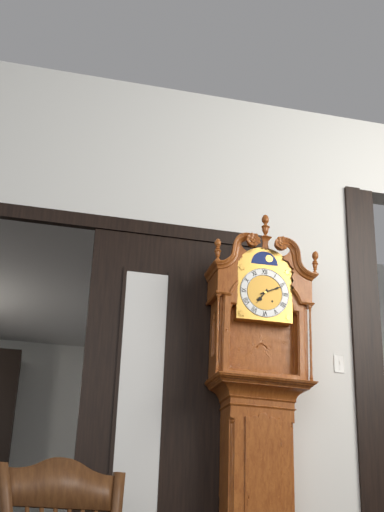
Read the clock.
7:11
